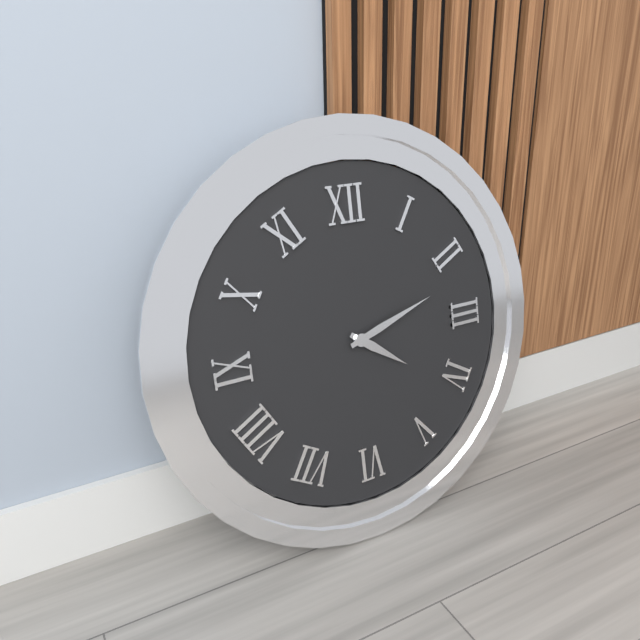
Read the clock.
4:12
